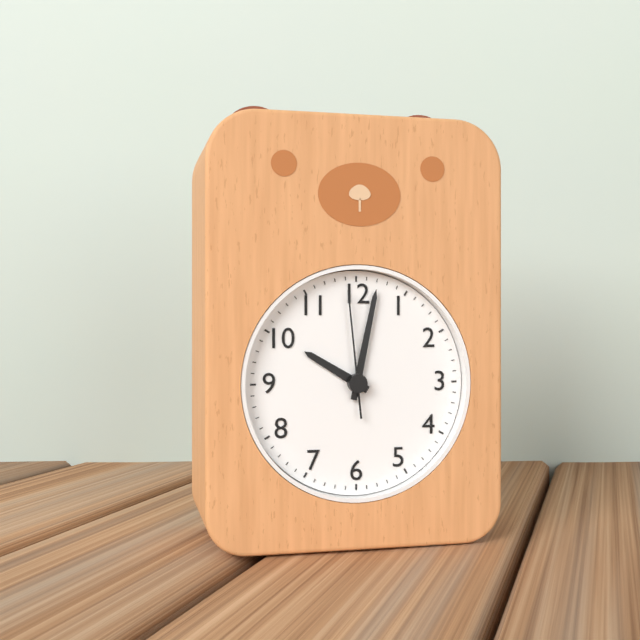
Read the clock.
10:02:59
